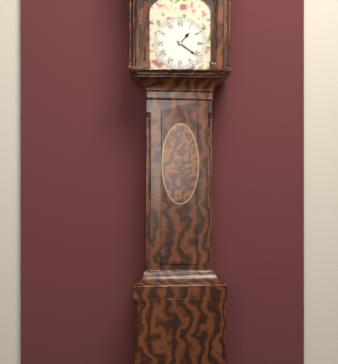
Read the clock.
1:21
